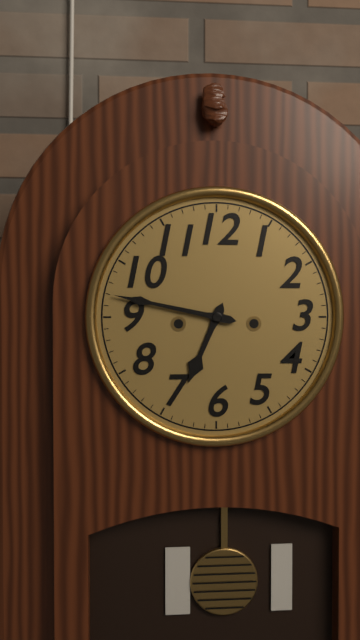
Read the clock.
6:47
